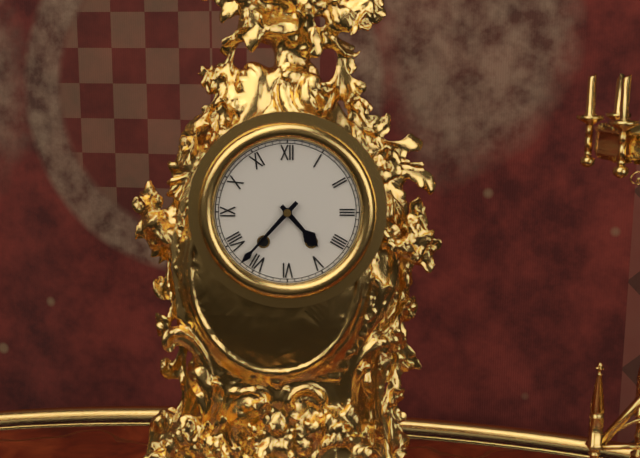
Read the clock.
4:37
